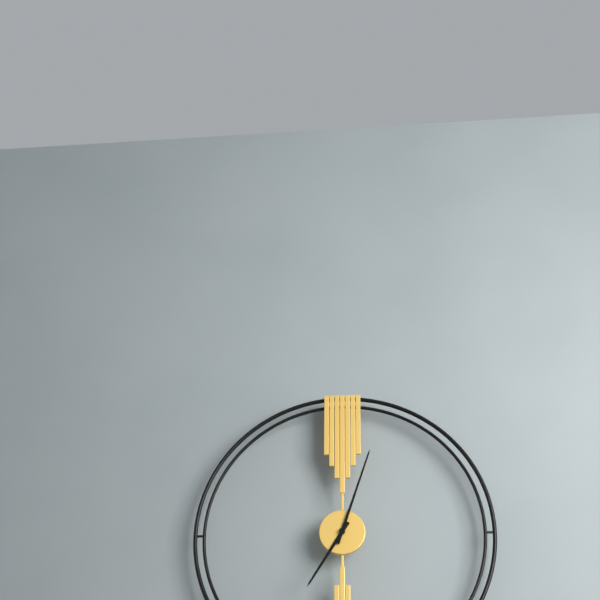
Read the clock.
7:03
